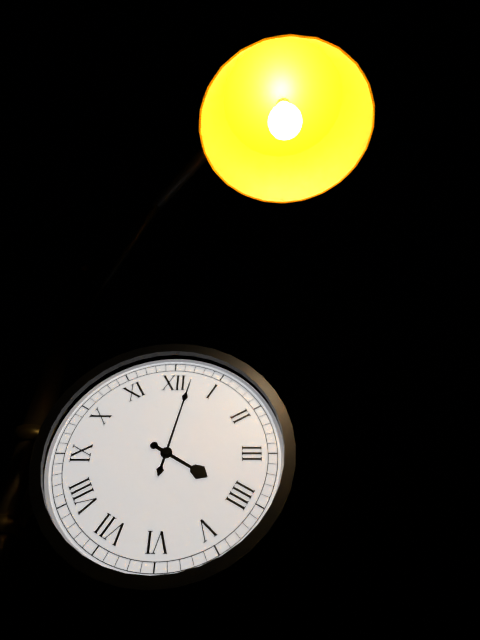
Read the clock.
4:02
